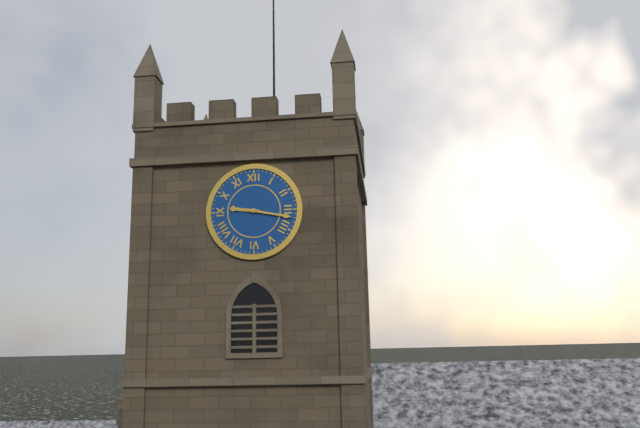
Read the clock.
9:17
